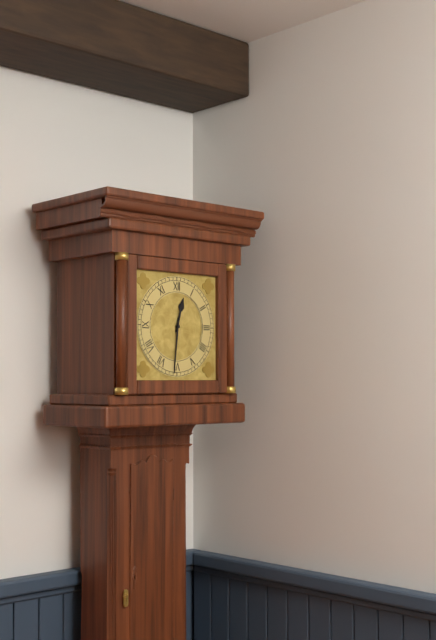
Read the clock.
12:31
